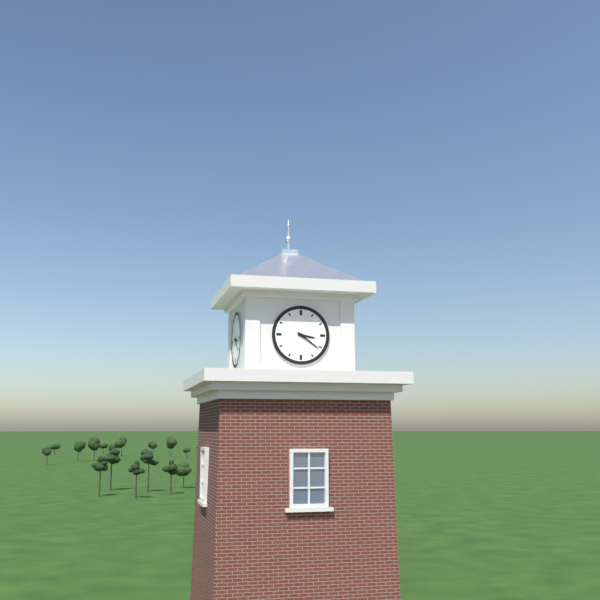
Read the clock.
3:21
